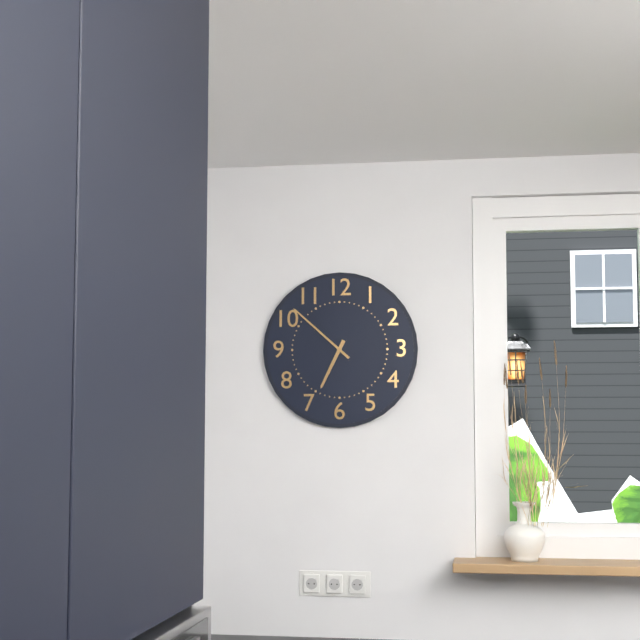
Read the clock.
6:52
